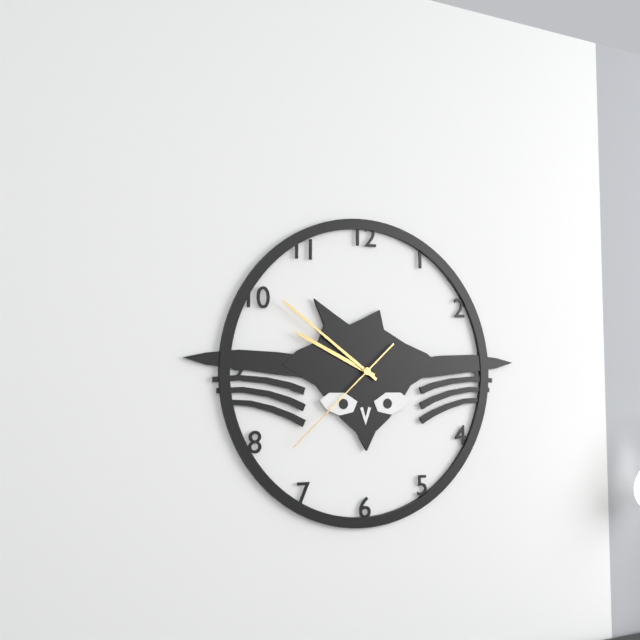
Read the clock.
9:51:38
